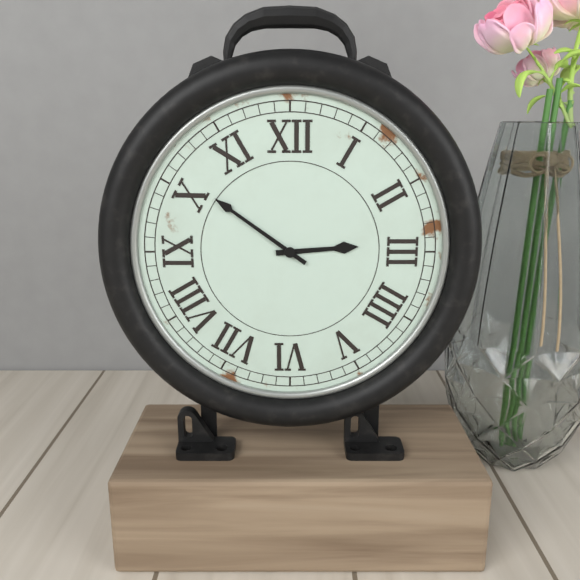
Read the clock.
2:51
